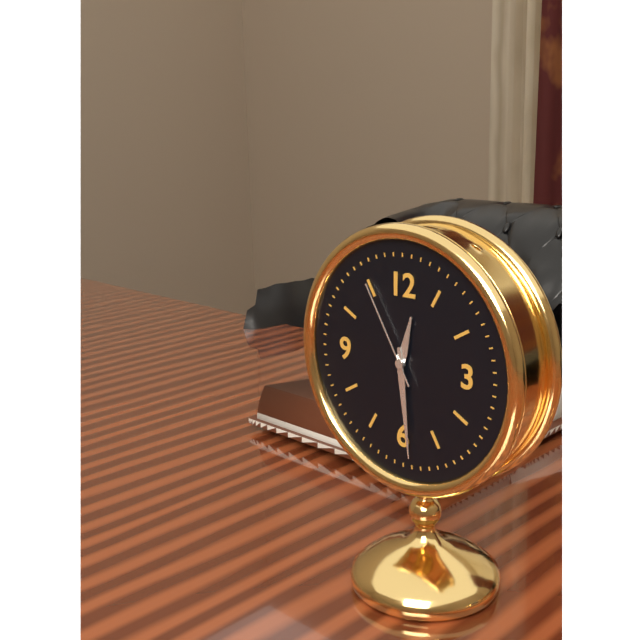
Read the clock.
12:29:55
